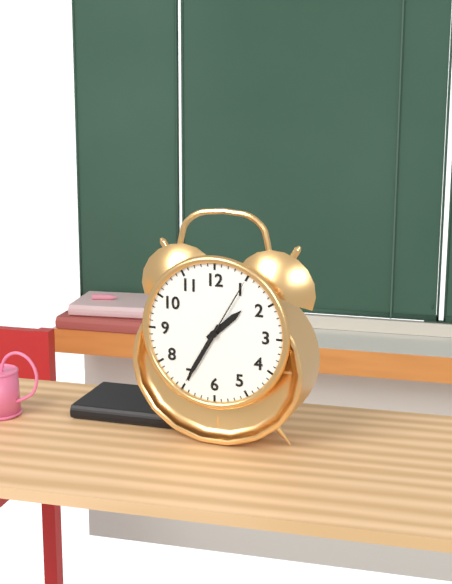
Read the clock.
1:35:05
